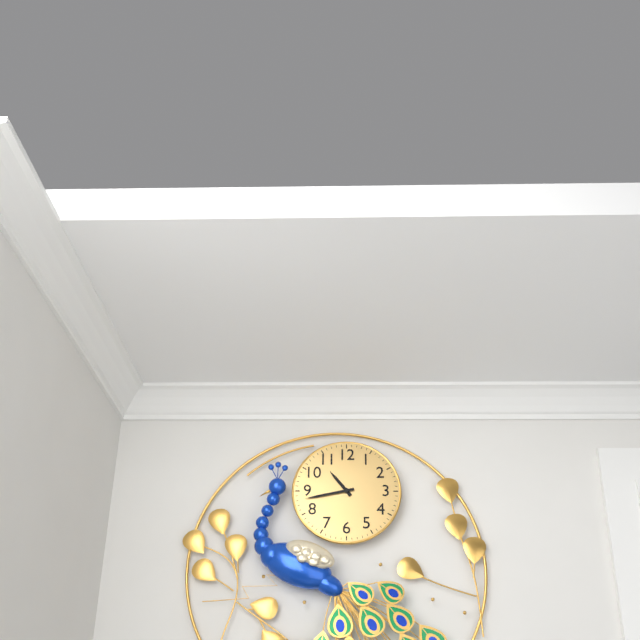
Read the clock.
10:43
